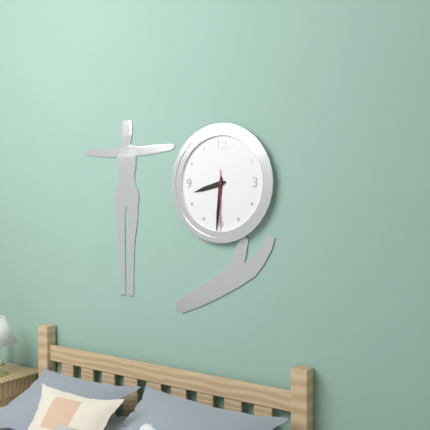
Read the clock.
8:31:30
